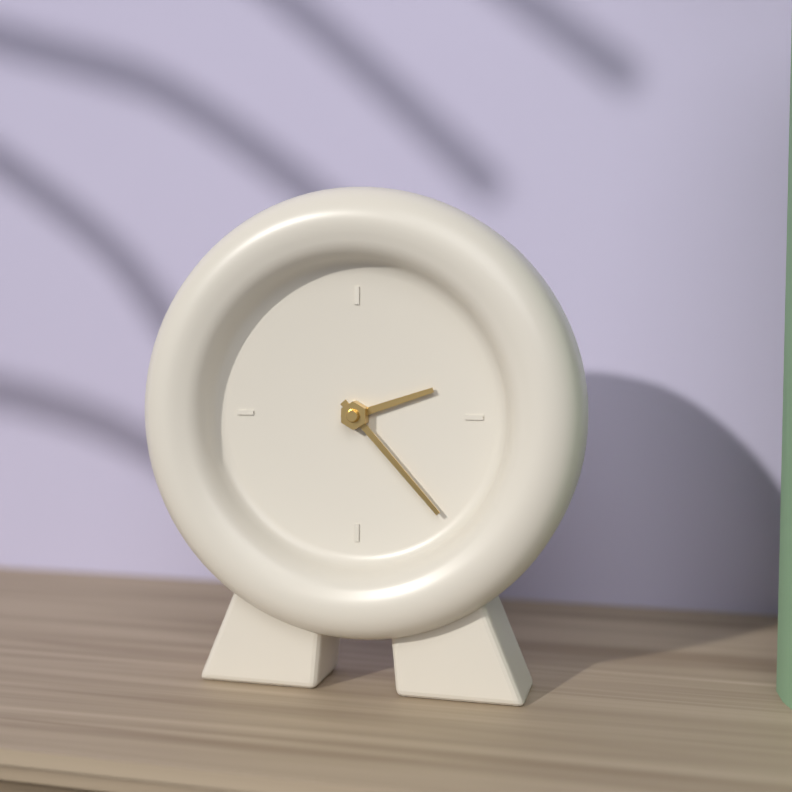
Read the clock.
2:23
